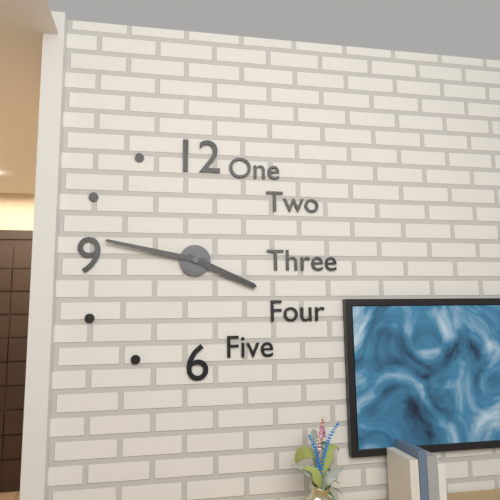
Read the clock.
3:47
